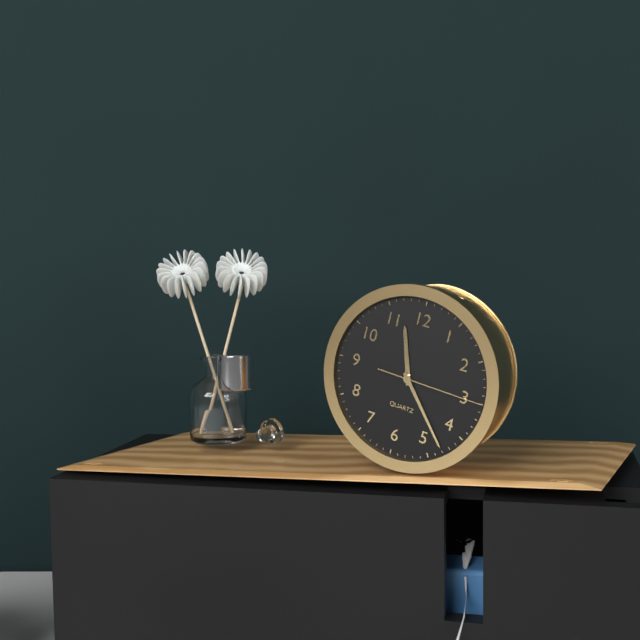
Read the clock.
11:23:15
